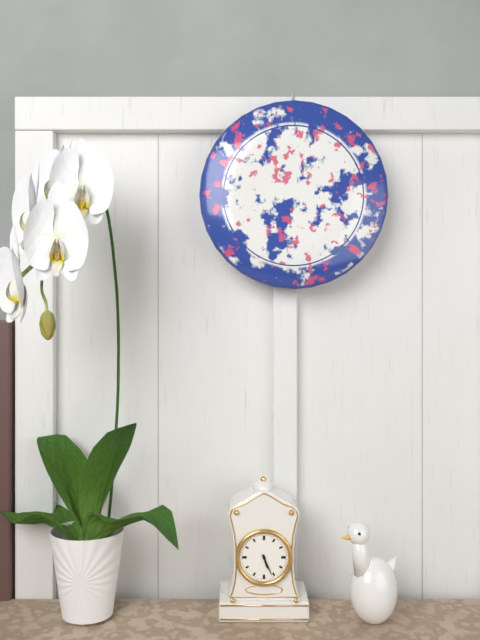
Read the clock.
5:26
